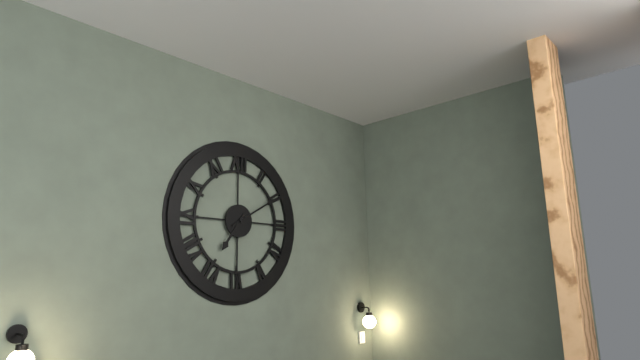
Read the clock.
7:10
